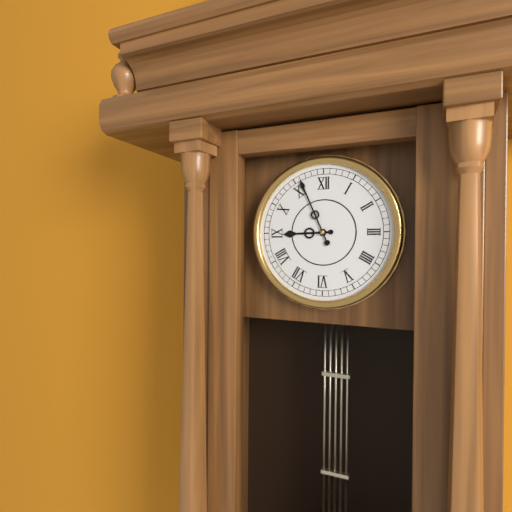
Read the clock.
8:56
